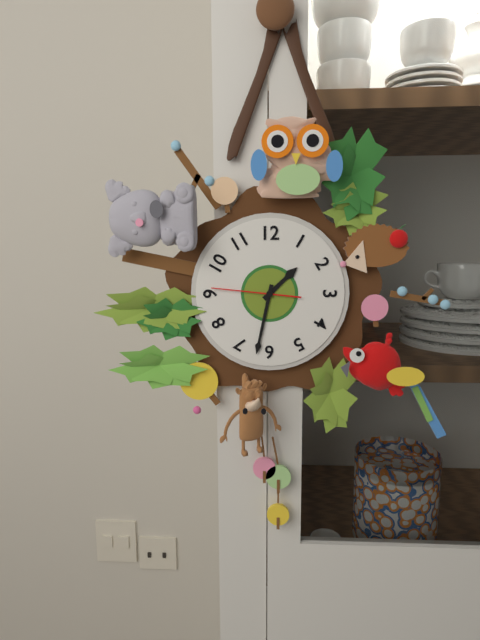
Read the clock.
1:32:46
